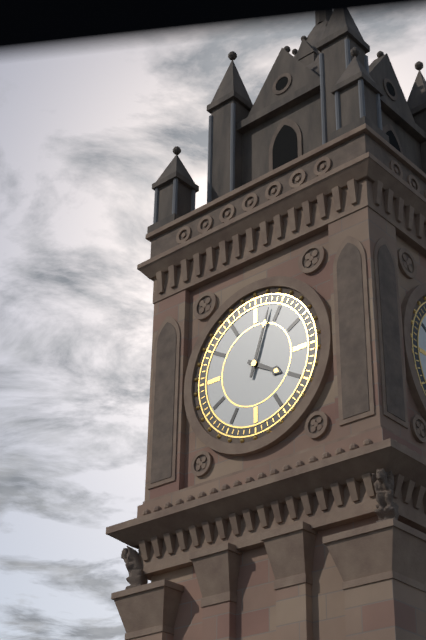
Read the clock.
4:03
